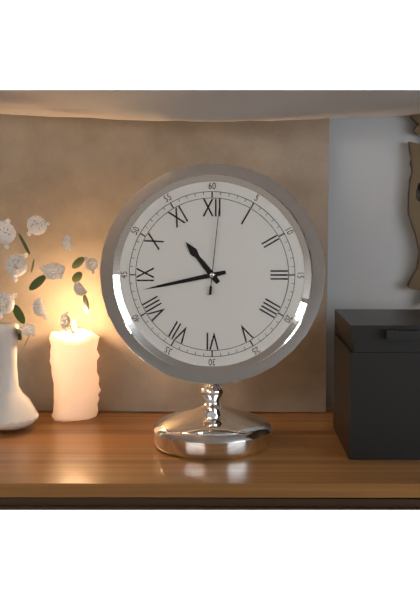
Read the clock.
10:43:01
